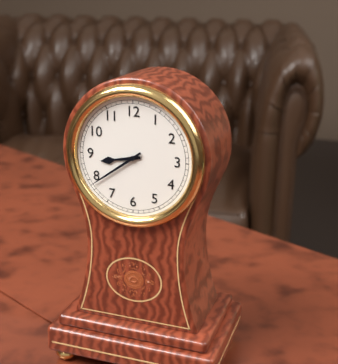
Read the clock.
8:39
